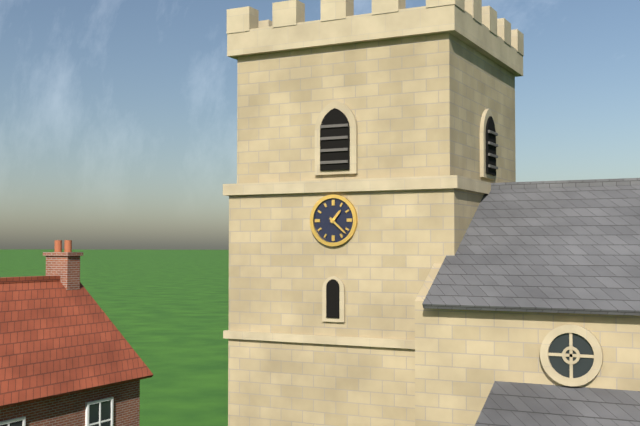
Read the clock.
1:22
